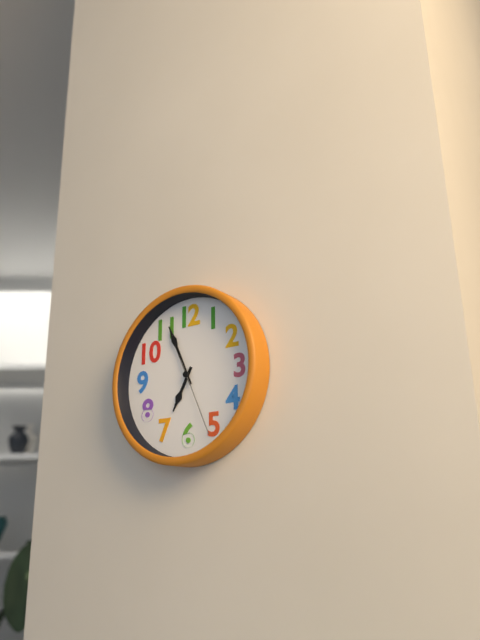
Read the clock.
6:56:26
